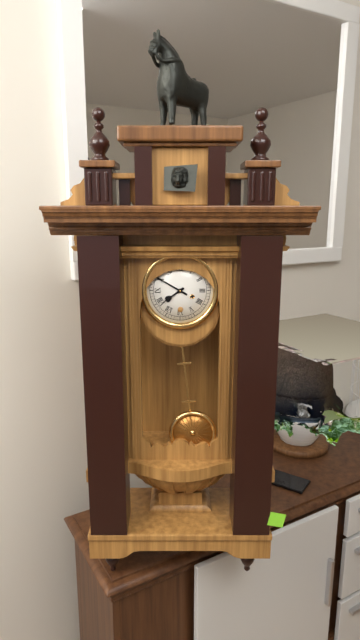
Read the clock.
7:50
